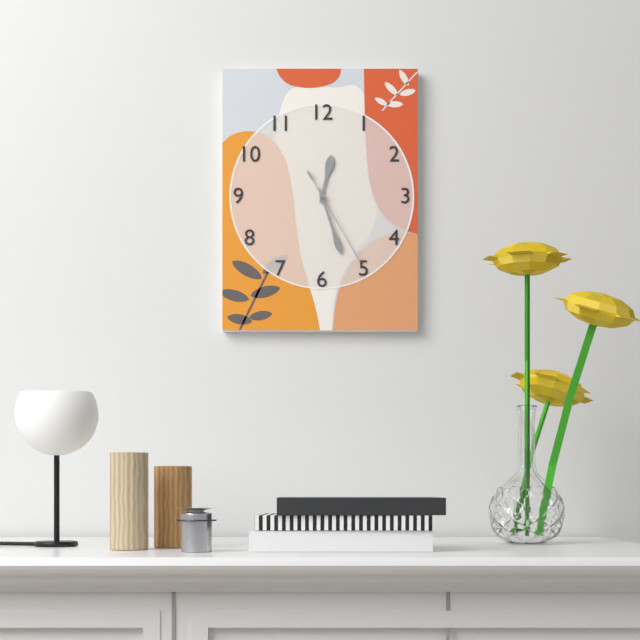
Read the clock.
12:27:25
